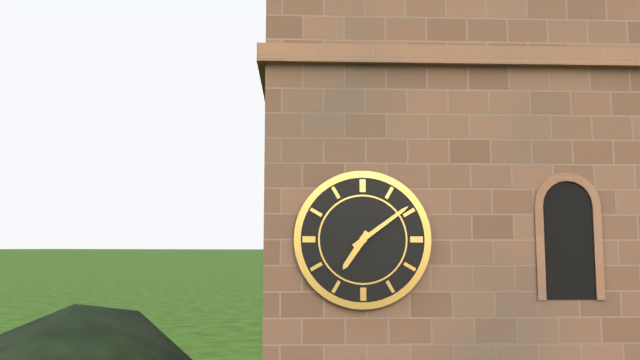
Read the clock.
7:09
